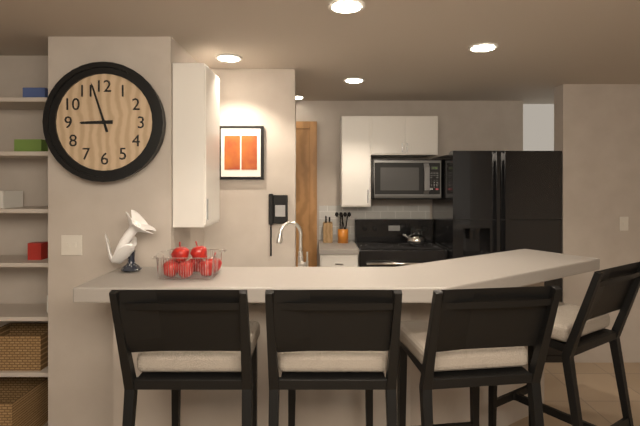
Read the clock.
8:57
